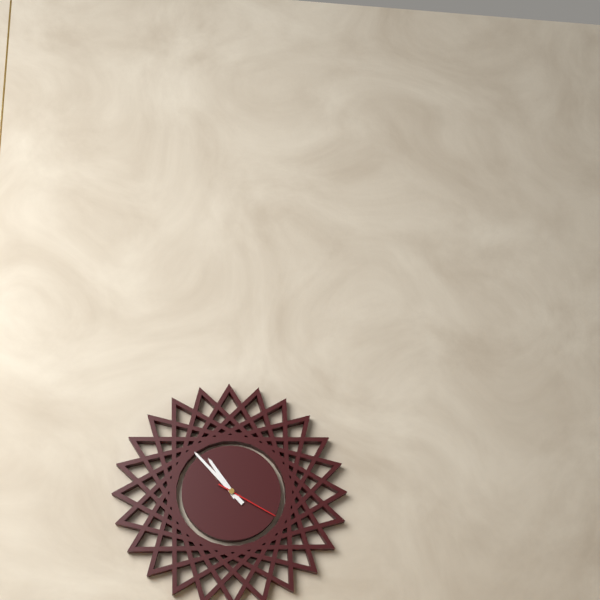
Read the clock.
10:53:20
